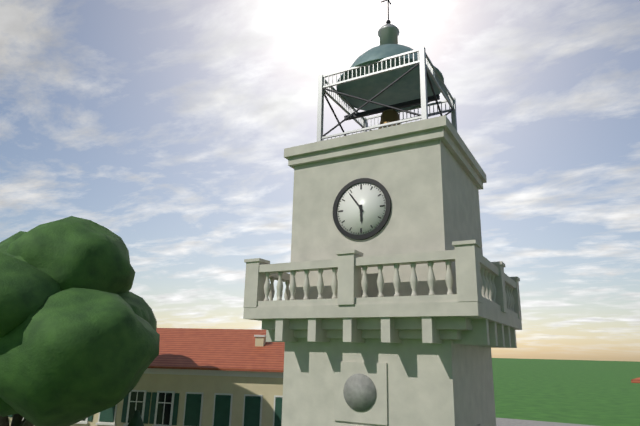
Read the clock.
5:54
